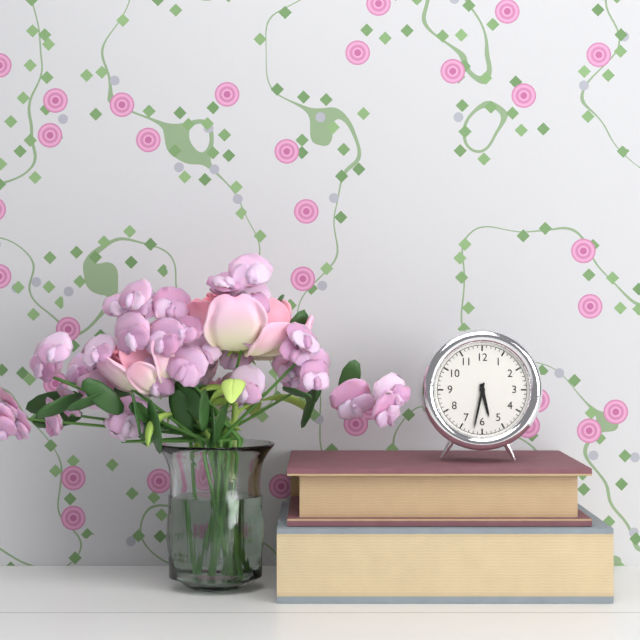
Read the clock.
5:32
